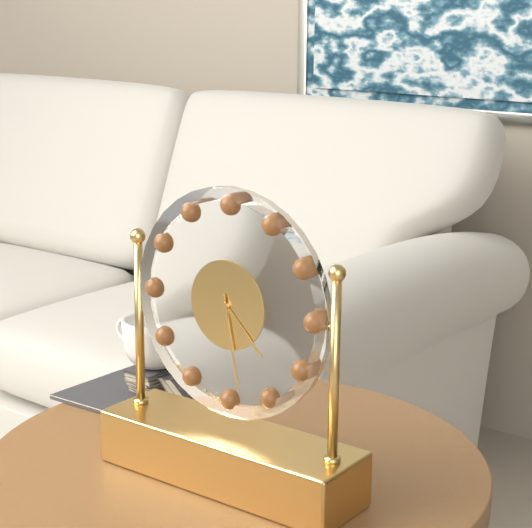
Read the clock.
4:28
